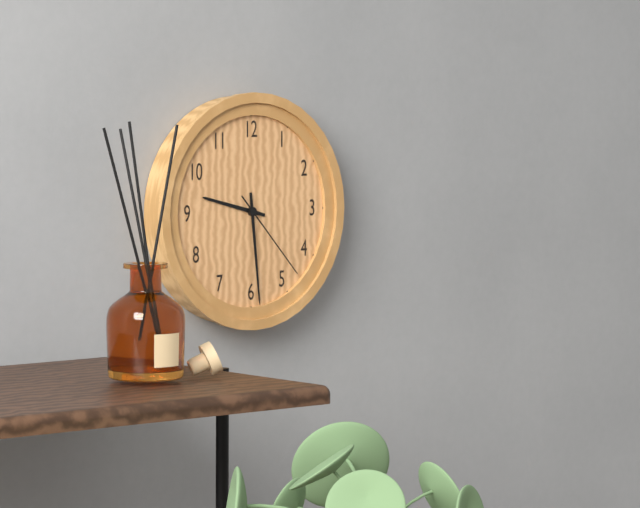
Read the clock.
9:29:23
